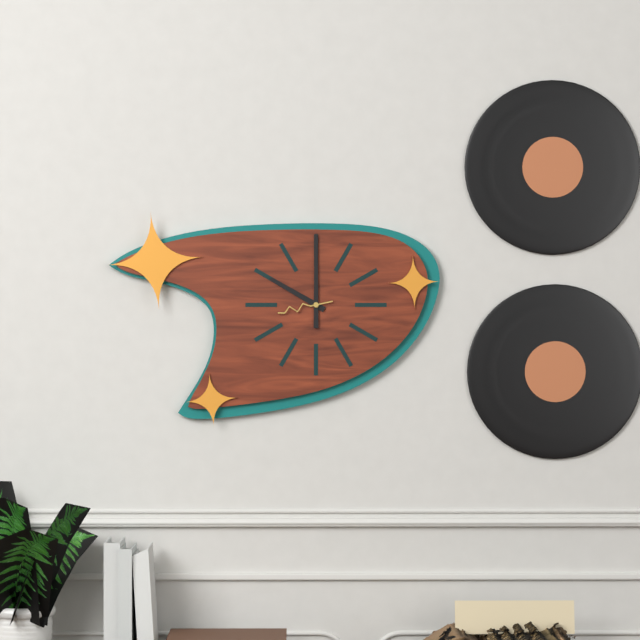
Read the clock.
10:00
